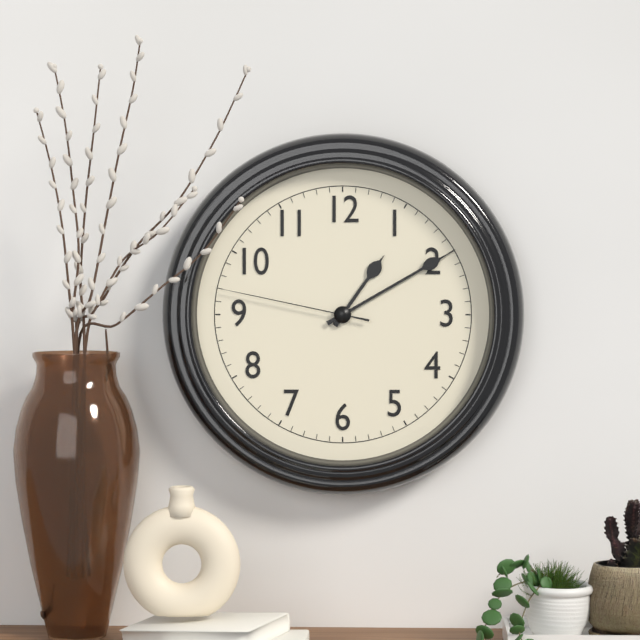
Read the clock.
1:10:47
